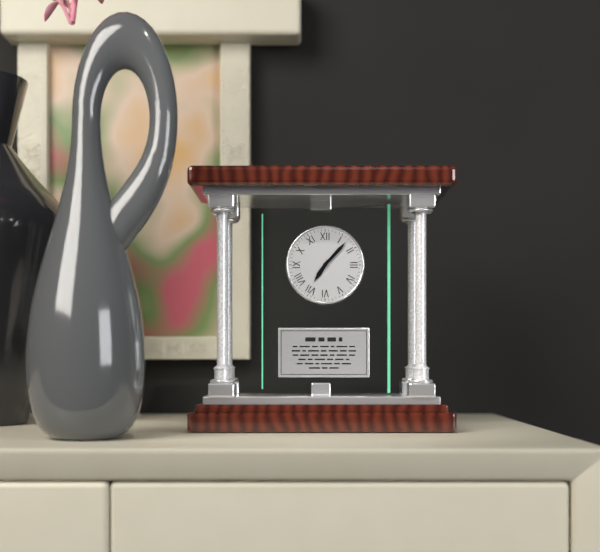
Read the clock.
7:07
